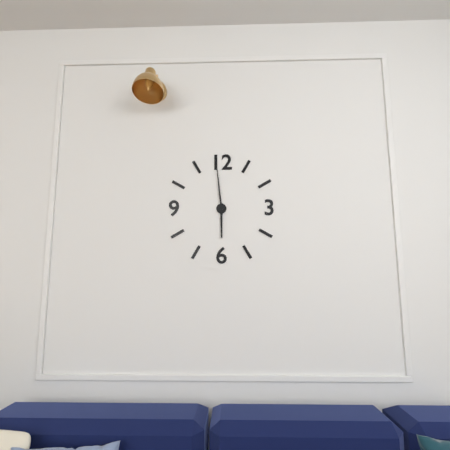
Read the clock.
5:59
